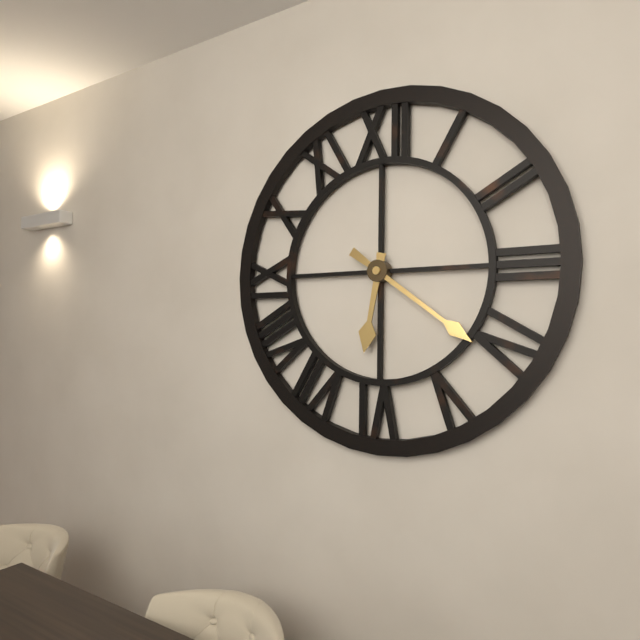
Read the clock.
6:21
